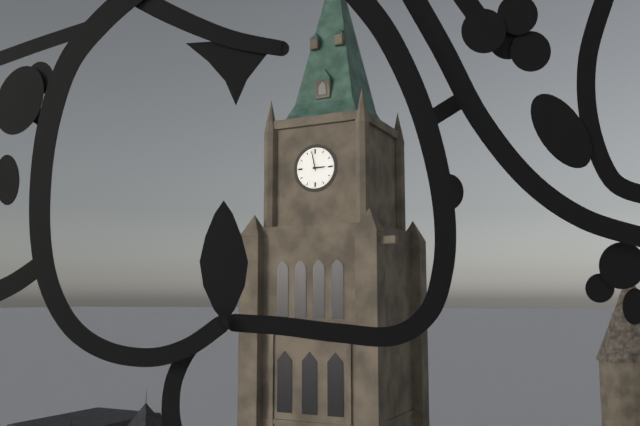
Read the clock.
2:58
